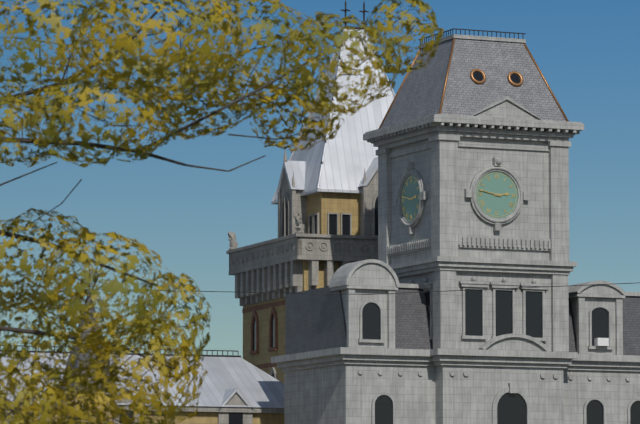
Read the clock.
2:47
